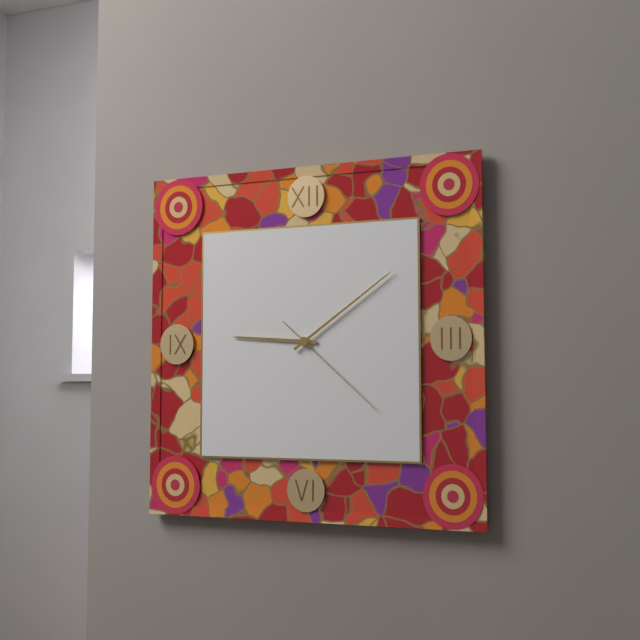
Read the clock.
9:09:22
